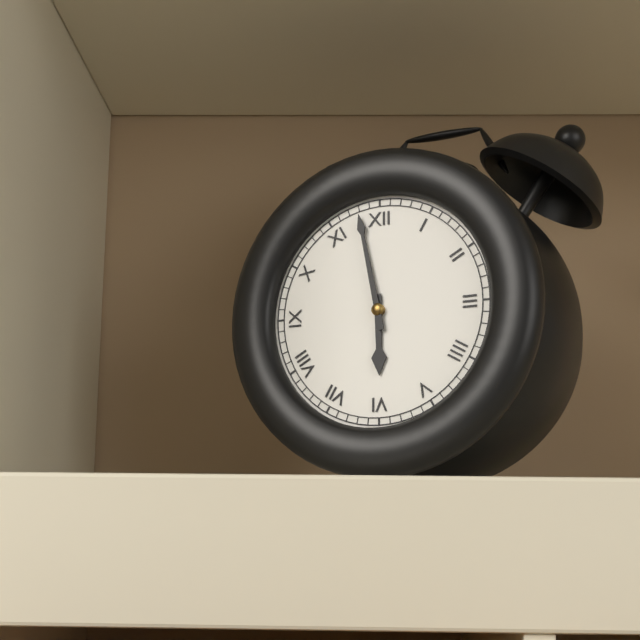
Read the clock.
5:58
